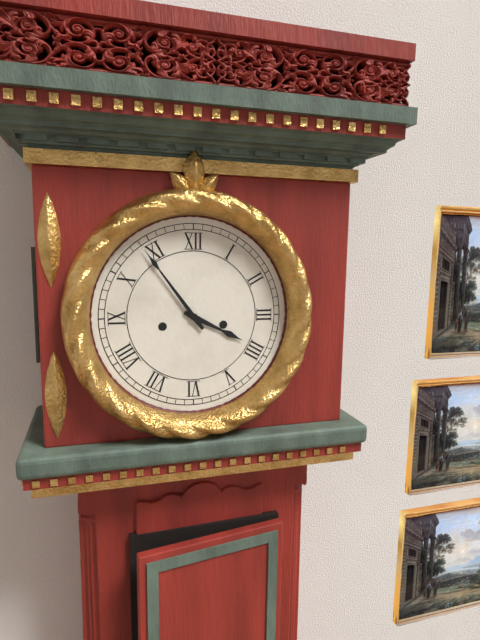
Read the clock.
3:54
